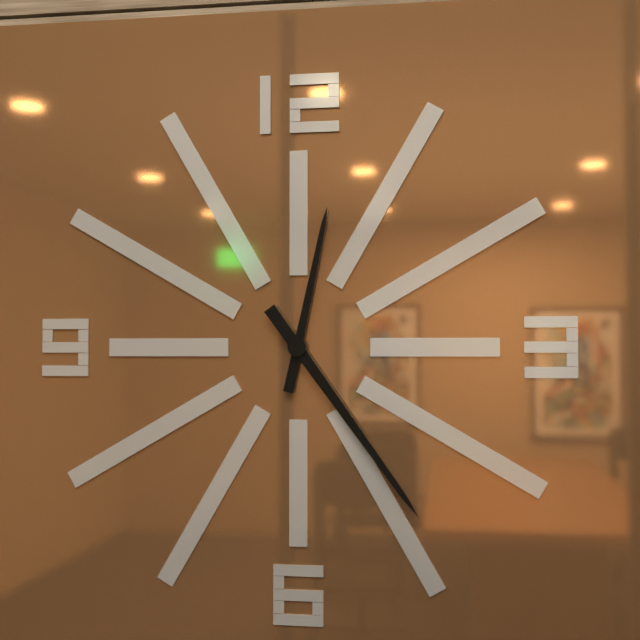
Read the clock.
12:24
